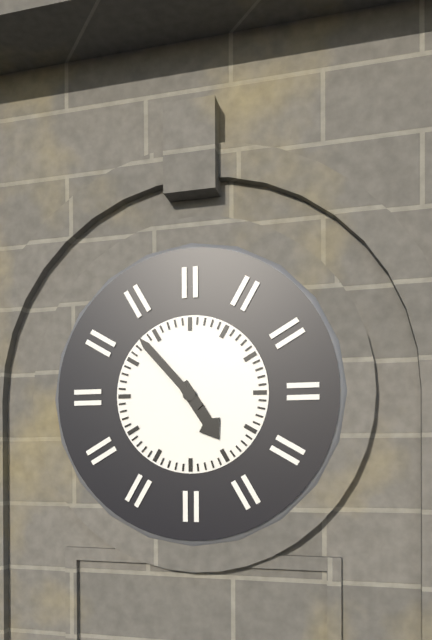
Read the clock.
4:53
